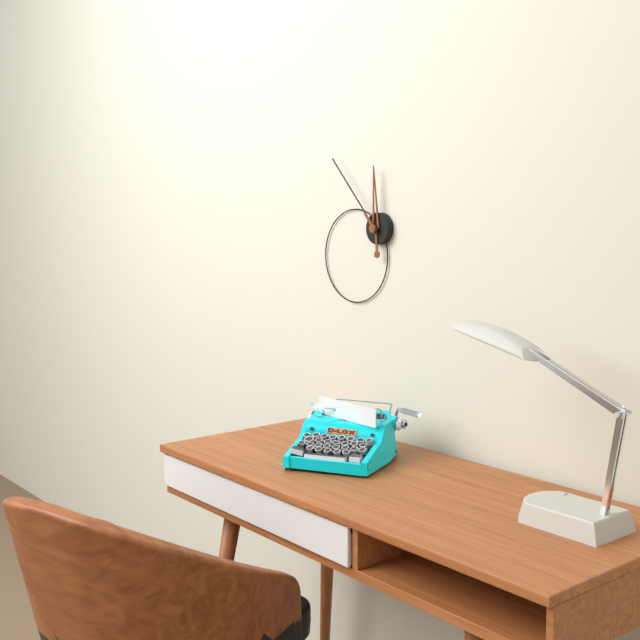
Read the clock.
11:53
